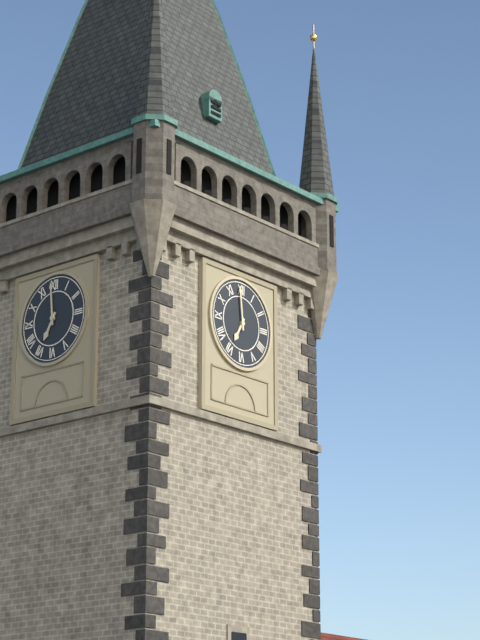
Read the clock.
6:59
